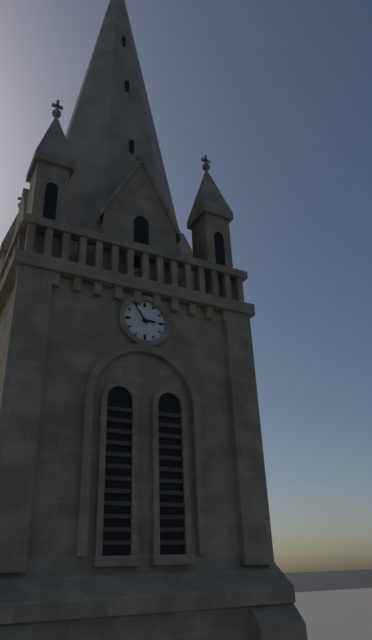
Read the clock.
2:54
